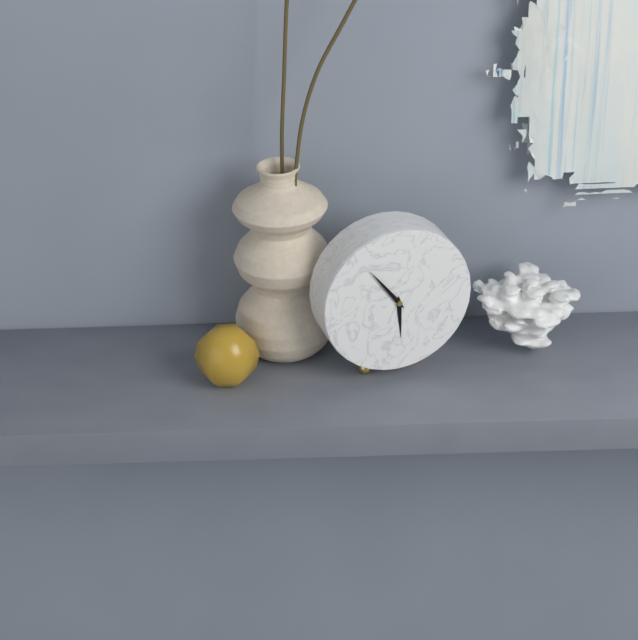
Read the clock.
5:54
